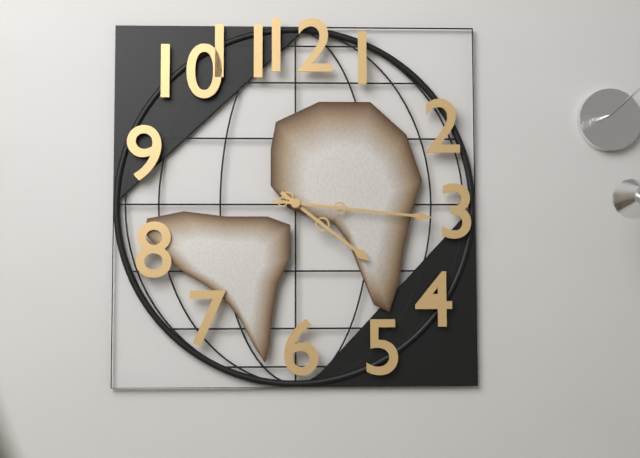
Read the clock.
4:16
